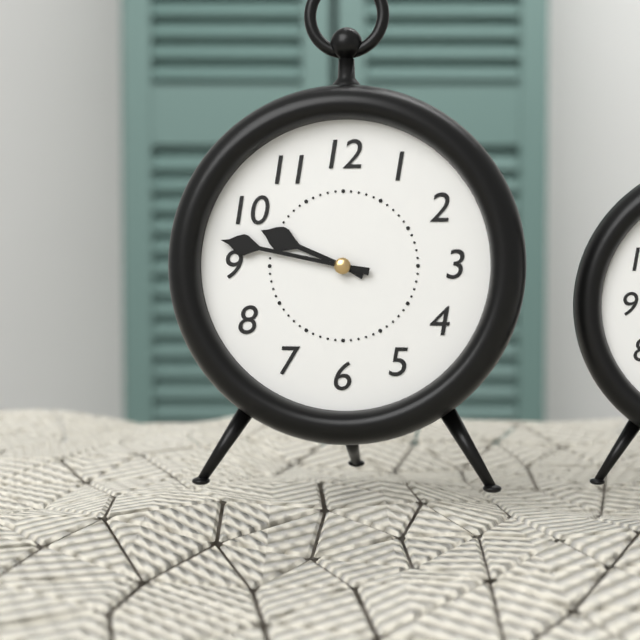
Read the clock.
9:47
